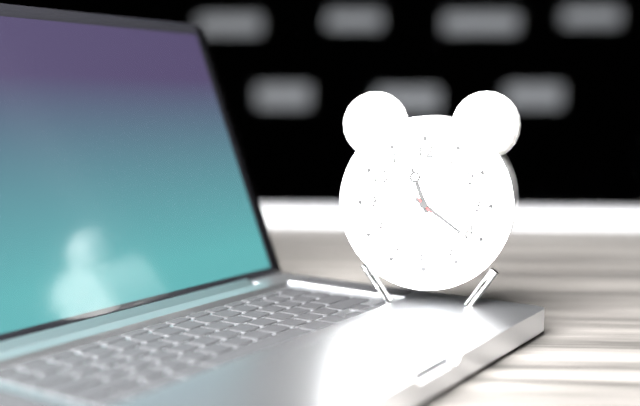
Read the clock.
11:21:53
